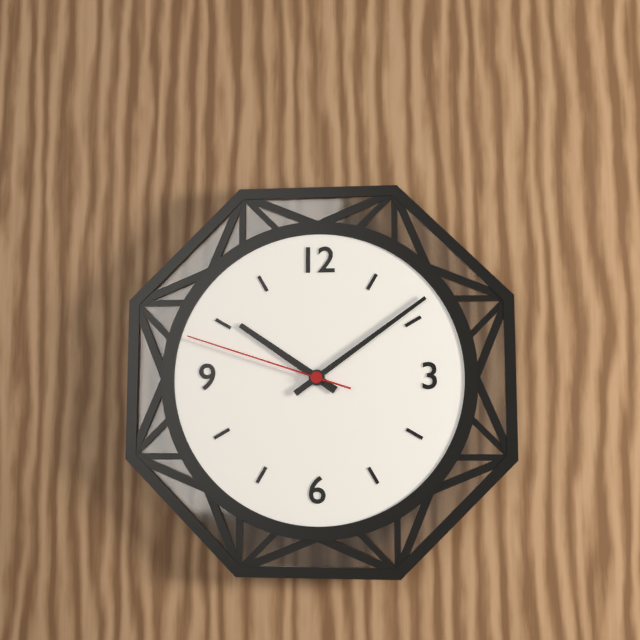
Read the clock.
10:09:48
